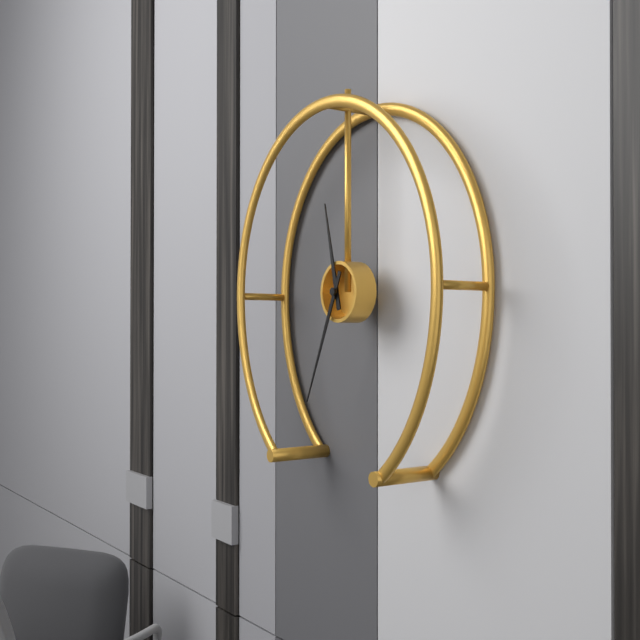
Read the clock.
11:34
